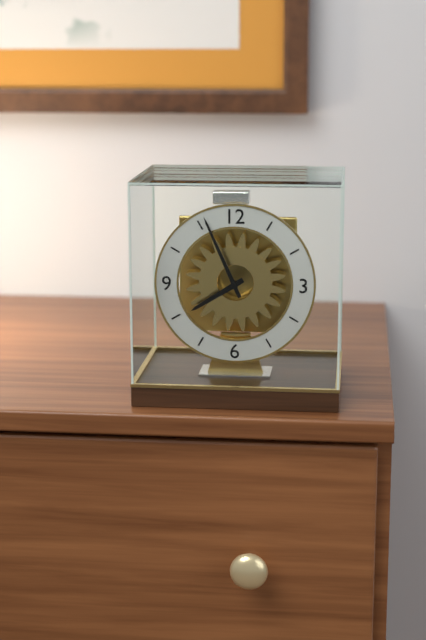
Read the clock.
7:56
